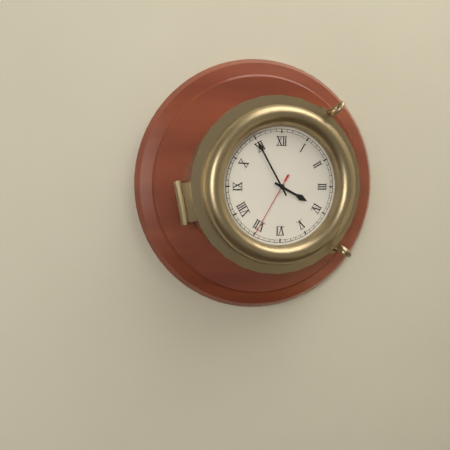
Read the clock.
3:55:35
